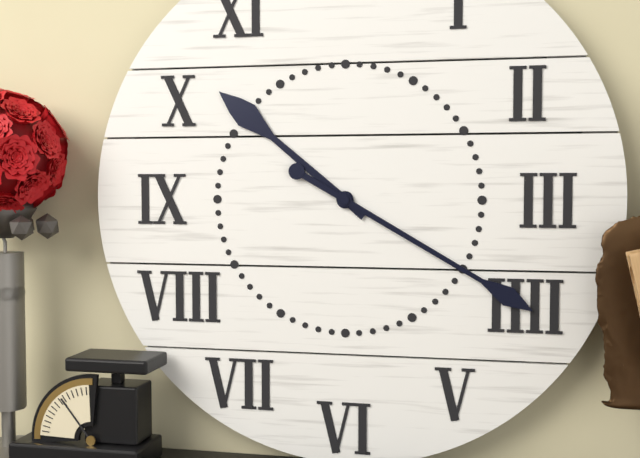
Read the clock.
10:20
